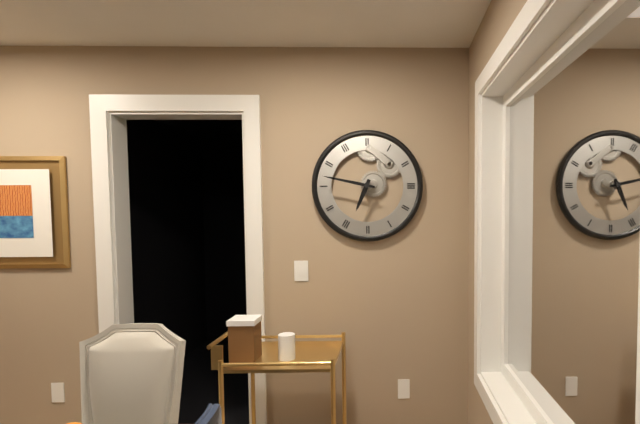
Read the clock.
6:47
